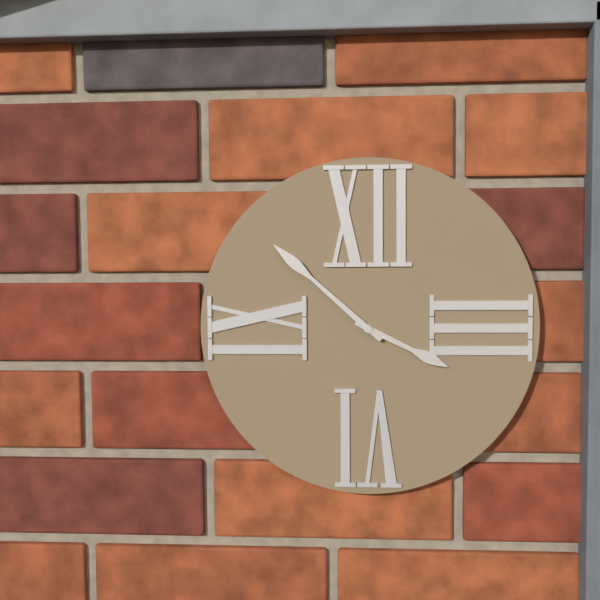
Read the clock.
3:52
